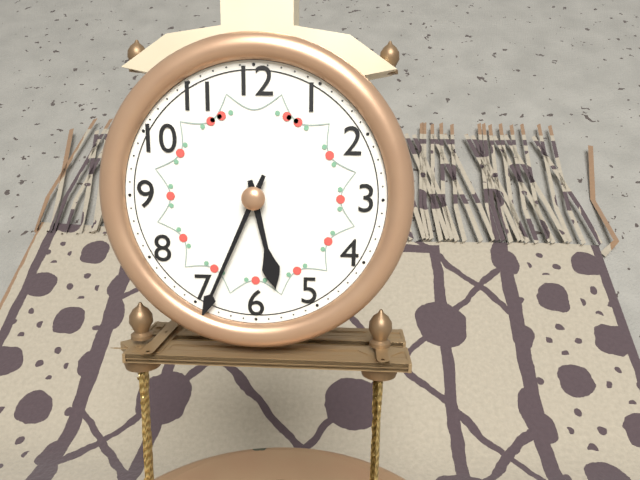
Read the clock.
5:34
